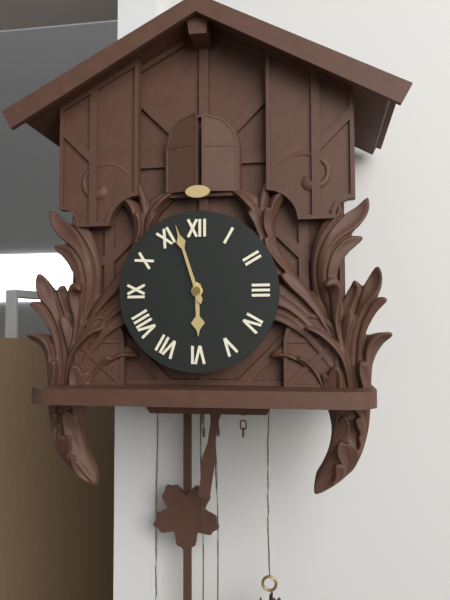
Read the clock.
5:57
